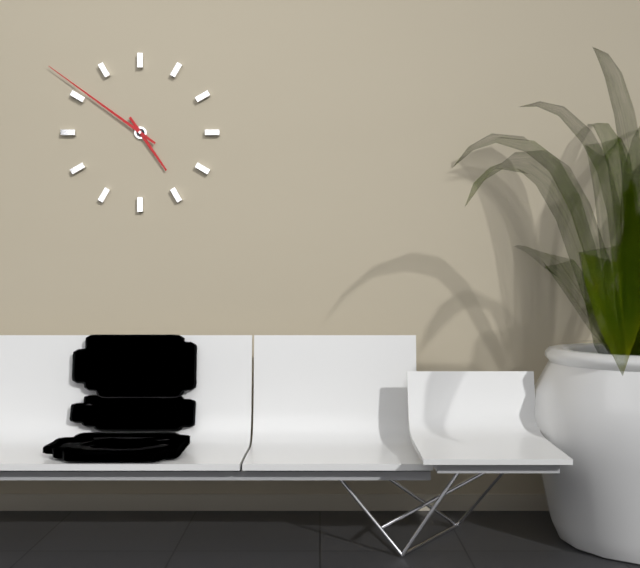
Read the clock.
4:51
